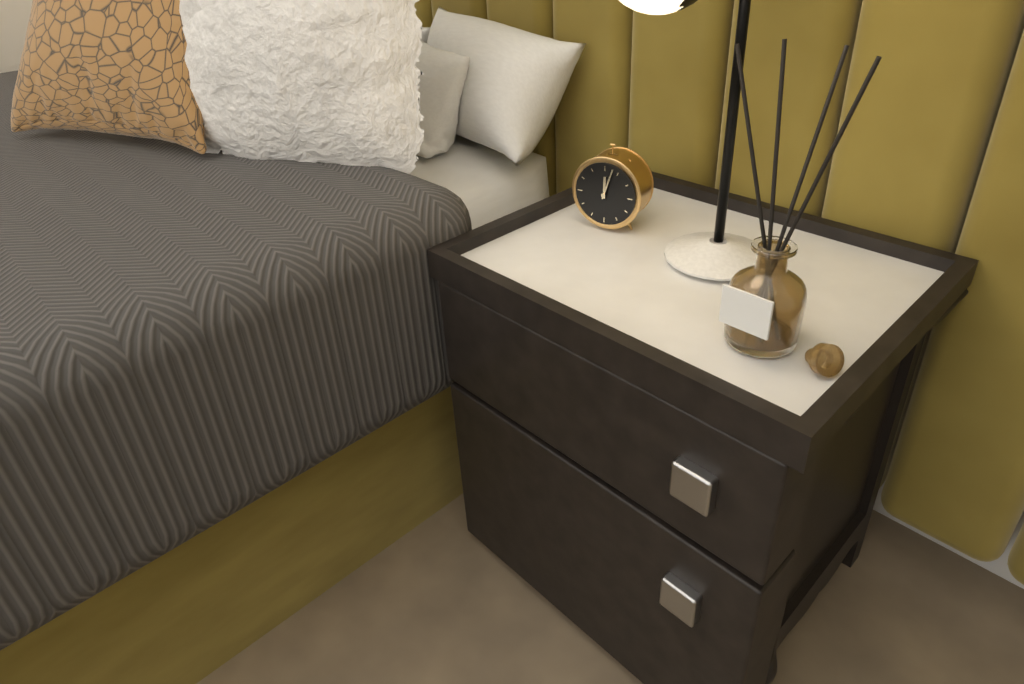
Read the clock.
12:03
